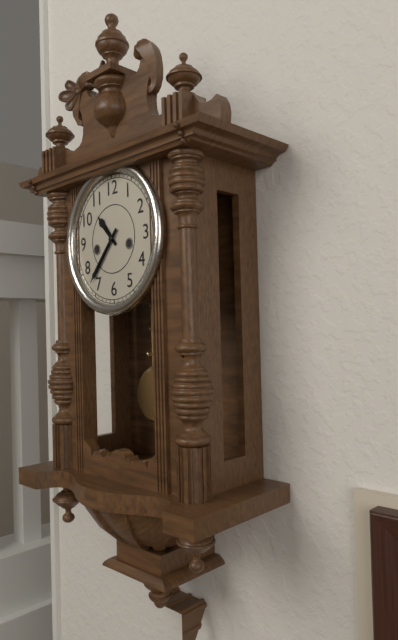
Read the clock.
10:37
